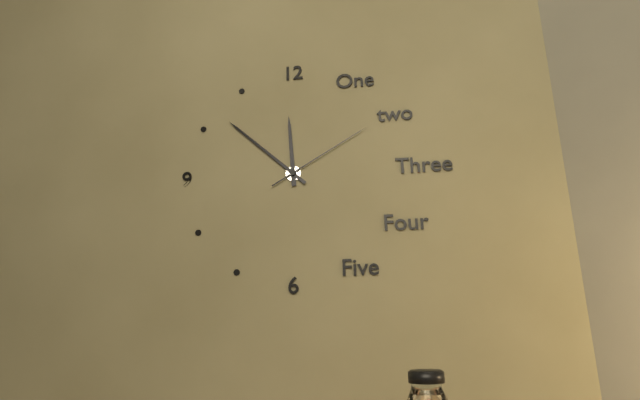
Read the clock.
11:52:10
